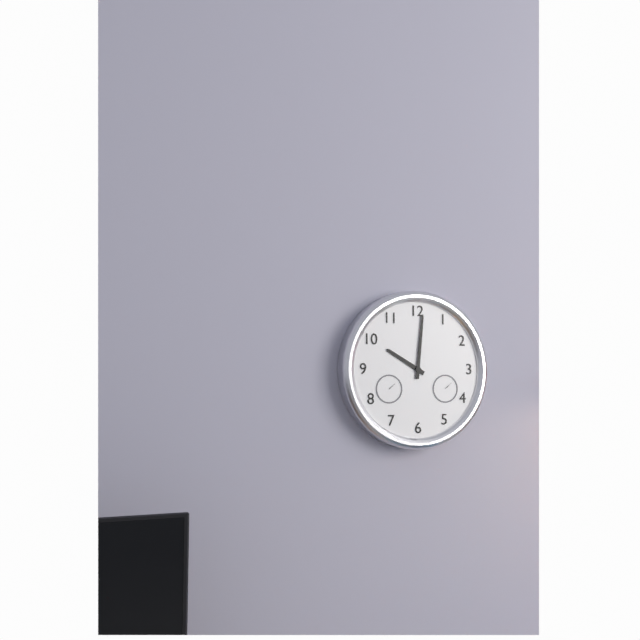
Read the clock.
10:01
